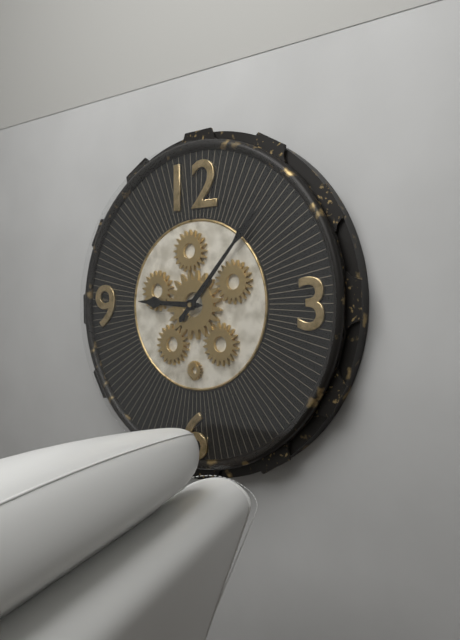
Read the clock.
9:07
